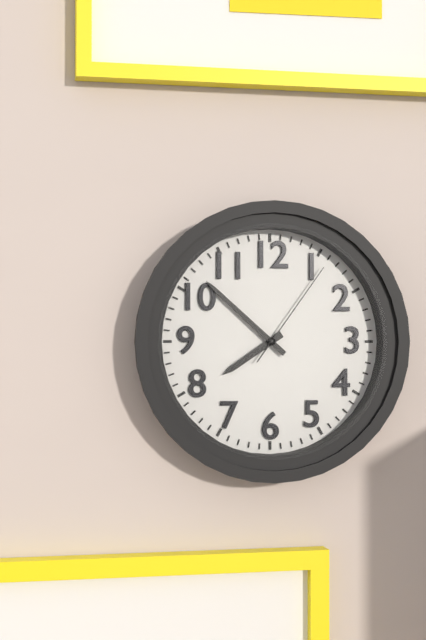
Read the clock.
7:52:06
